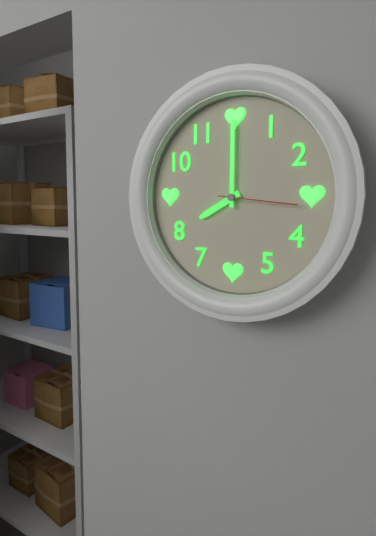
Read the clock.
8:00:16
